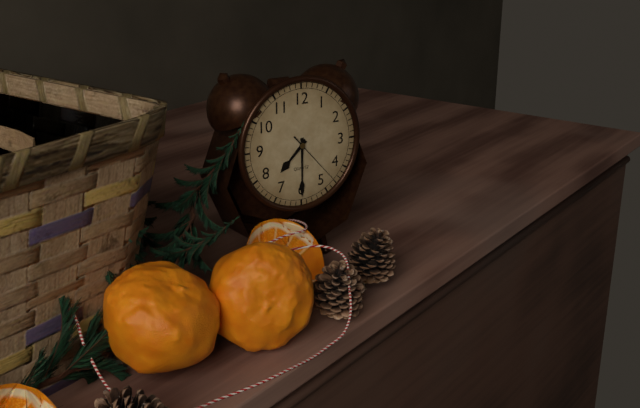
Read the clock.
7:30:23
